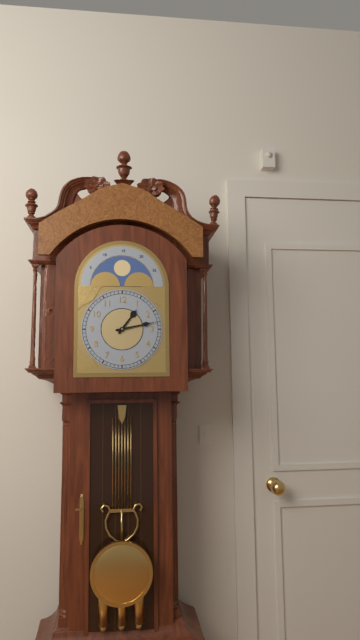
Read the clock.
1:13
